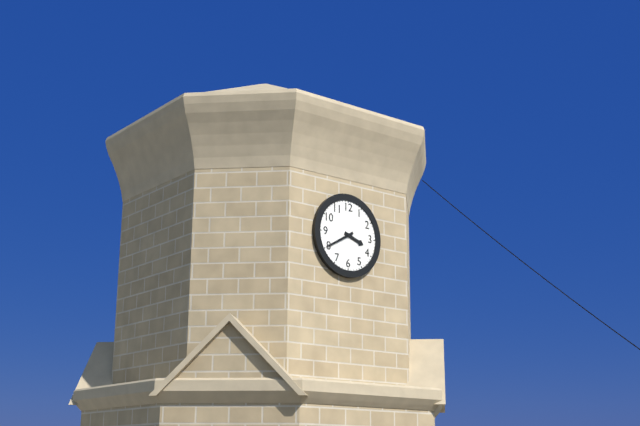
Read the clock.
3:40
